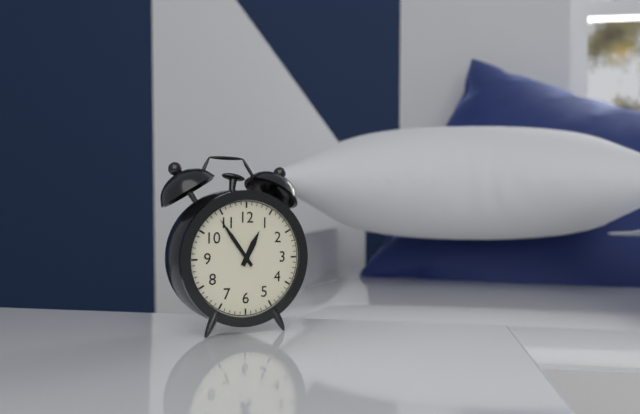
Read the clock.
12:54
